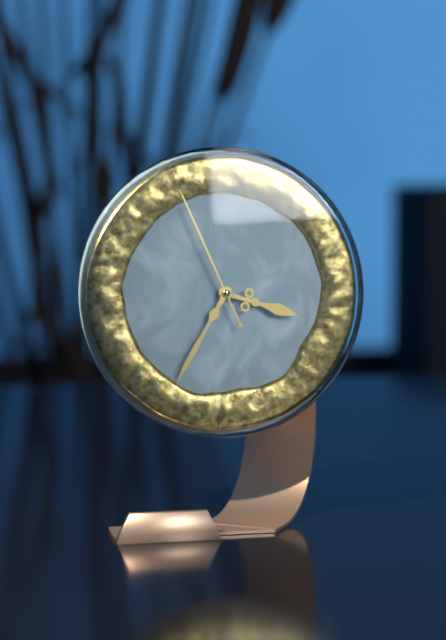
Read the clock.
3:35:56
